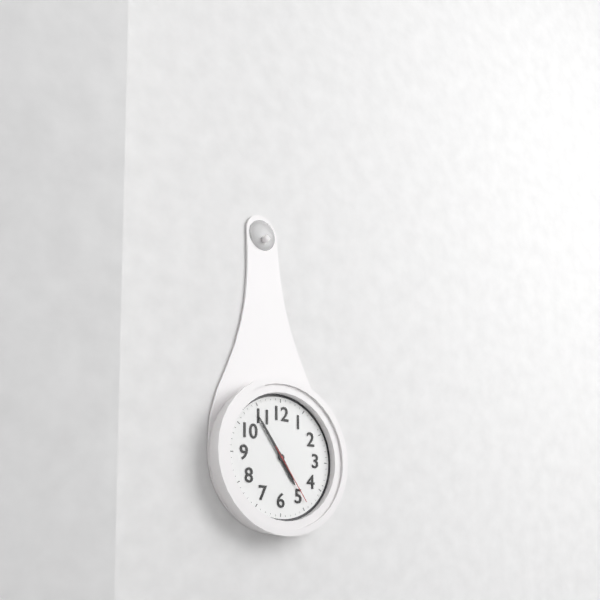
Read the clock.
4:54:24
